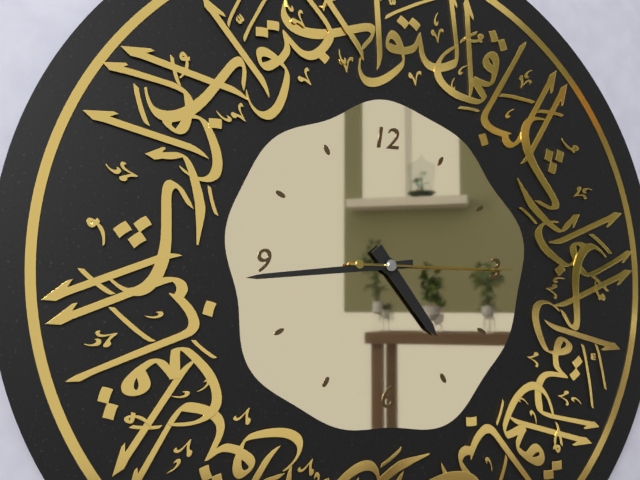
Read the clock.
4:44:15
